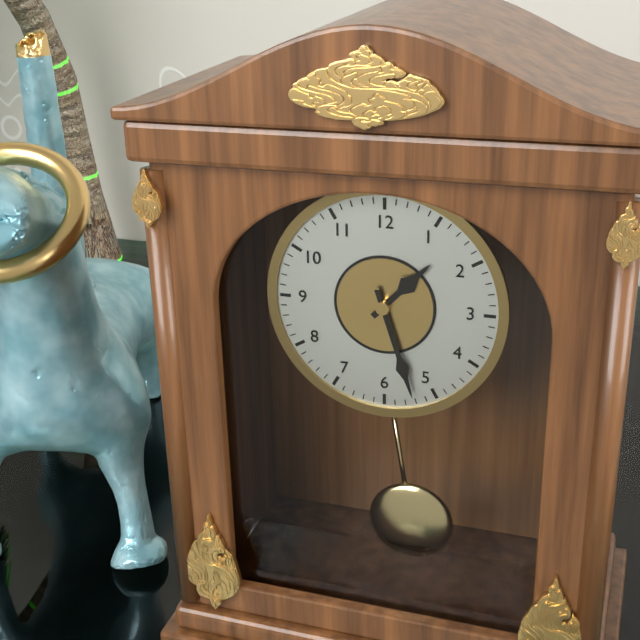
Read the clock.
1:27
